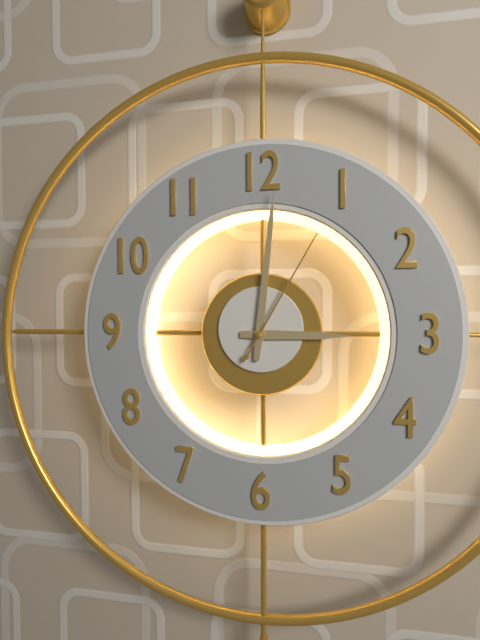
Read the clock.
3:01:05
